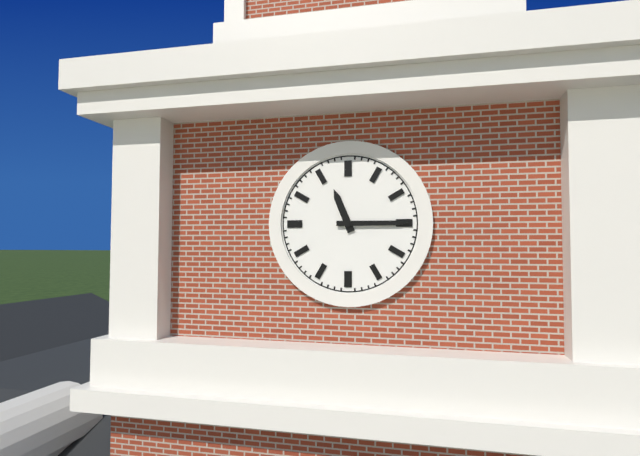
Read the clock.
11:15
